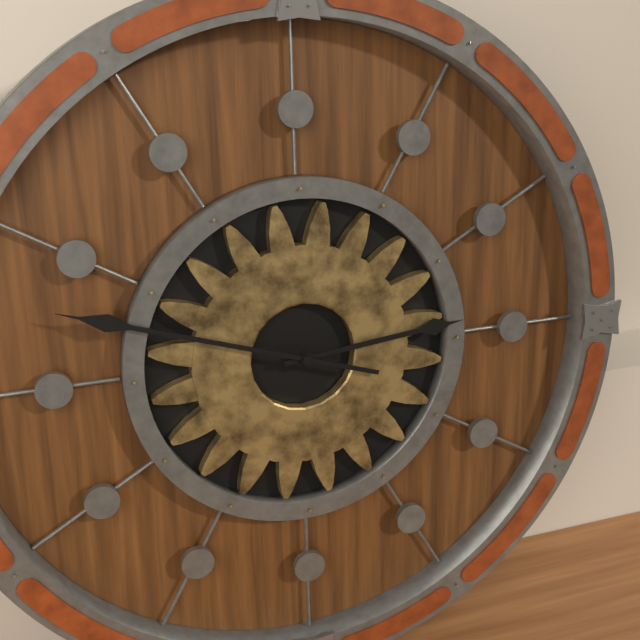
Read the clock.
2:48
